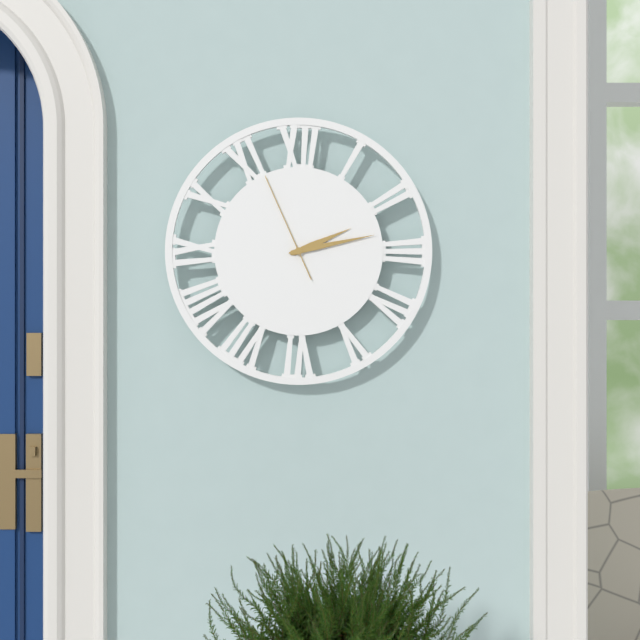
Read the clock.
2:13:56
